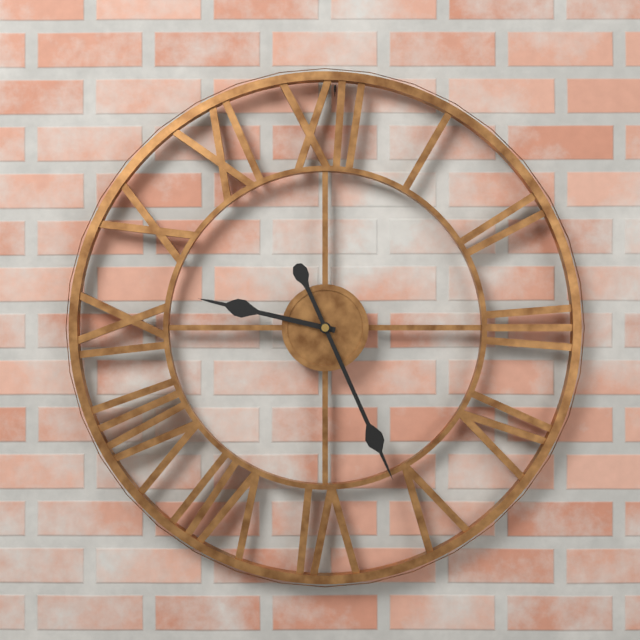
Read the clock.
9:26
